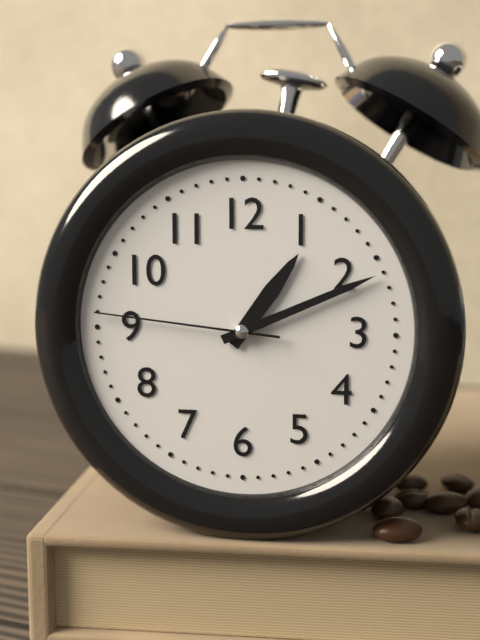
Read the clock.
1:11:46
